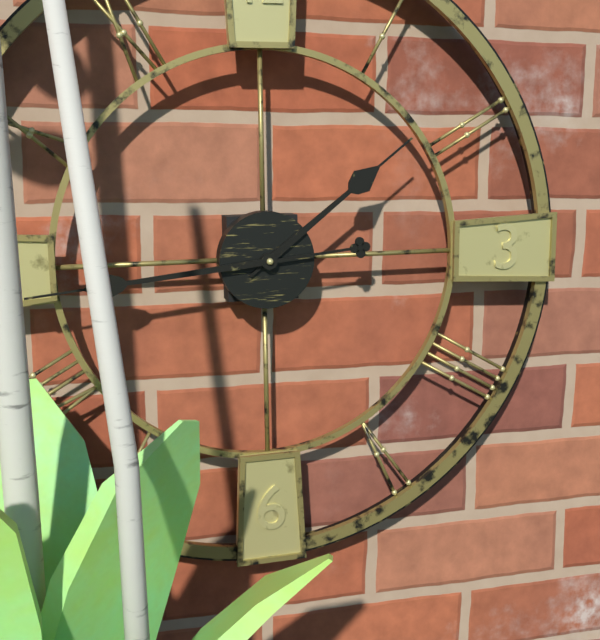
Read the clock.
1:44
